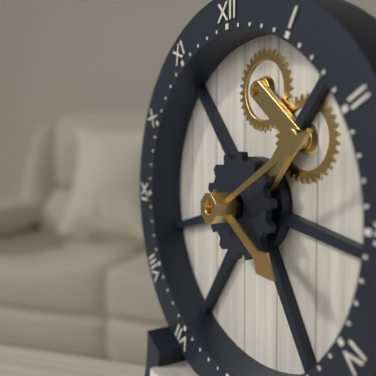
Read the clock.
4:10
